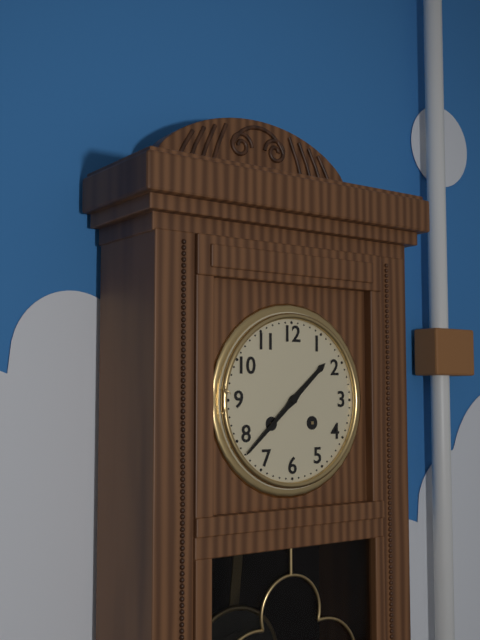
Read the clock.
1:38
